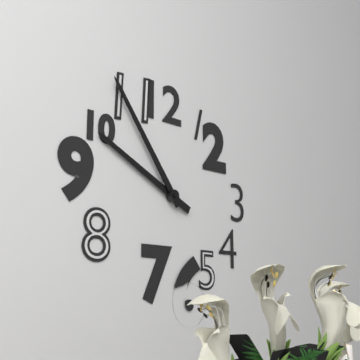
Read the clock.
9:54
